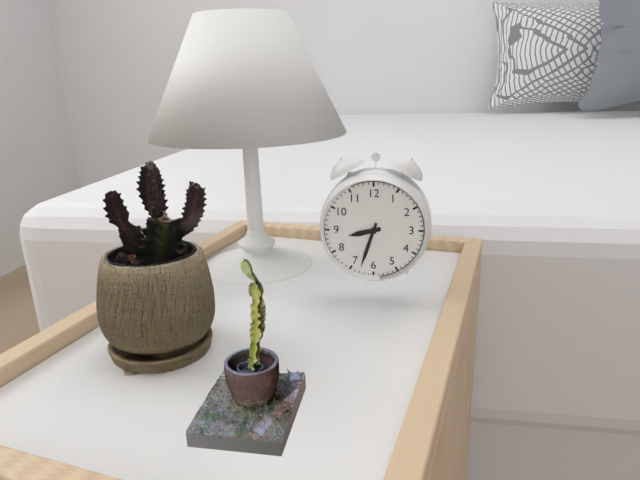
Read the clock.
8:33
